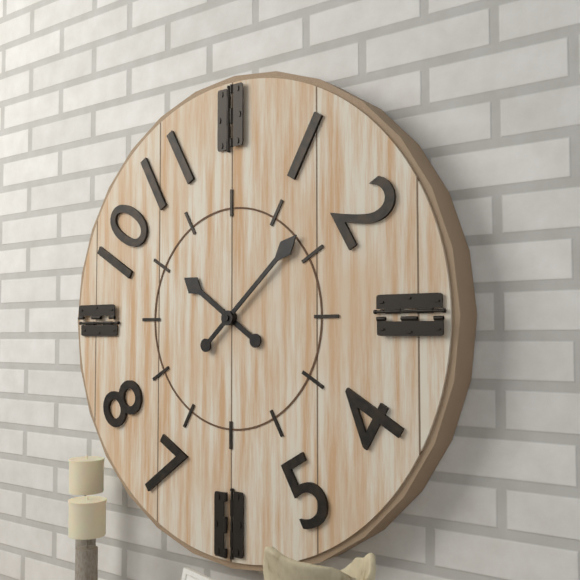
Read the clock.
10:08
